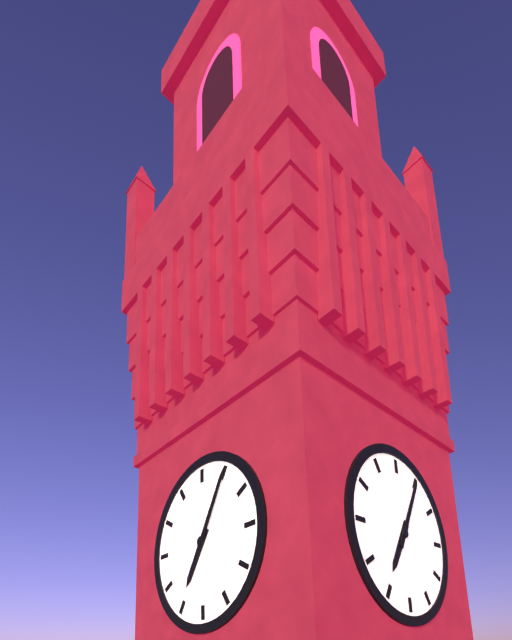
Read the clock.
7:05
